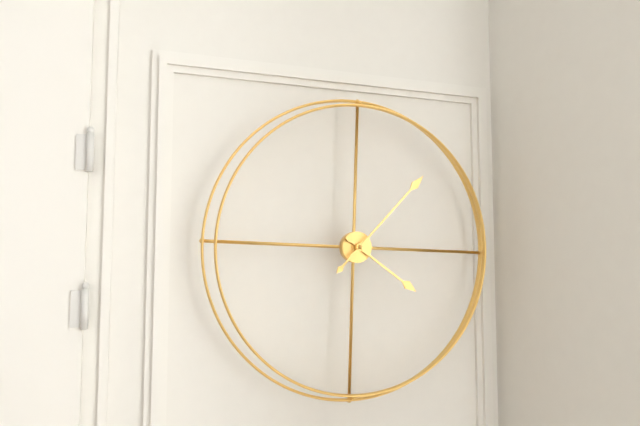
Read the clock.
4:07
